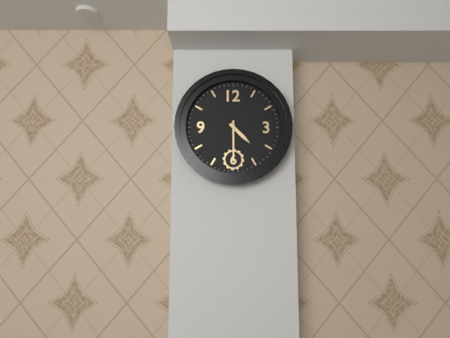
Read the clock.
4:30
